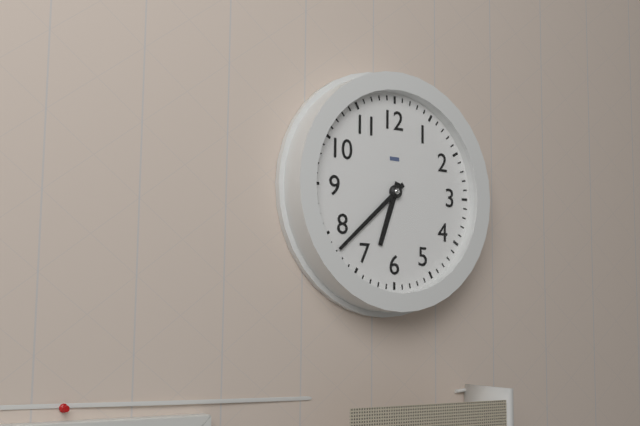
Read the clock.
6:38
